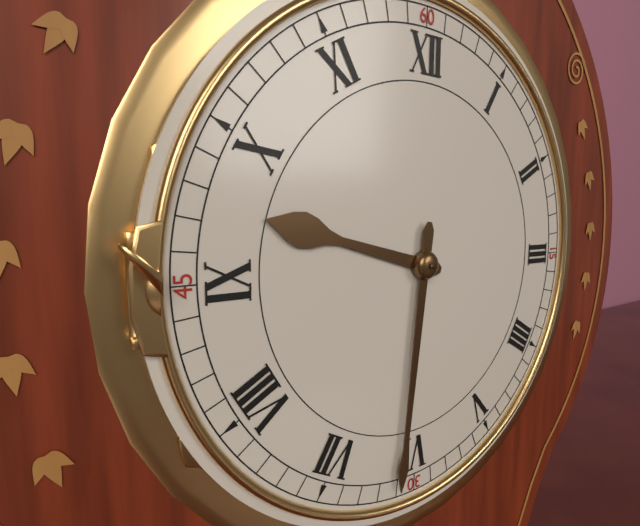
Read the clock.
9:31
